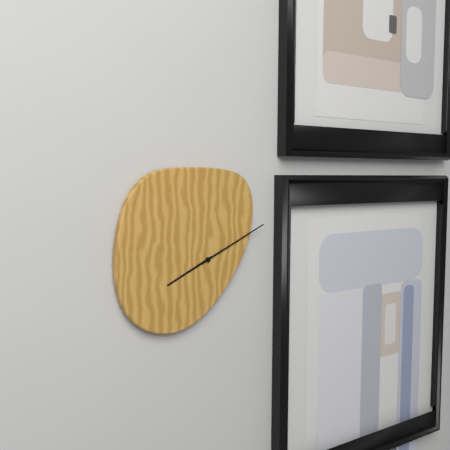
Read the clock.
8:11
